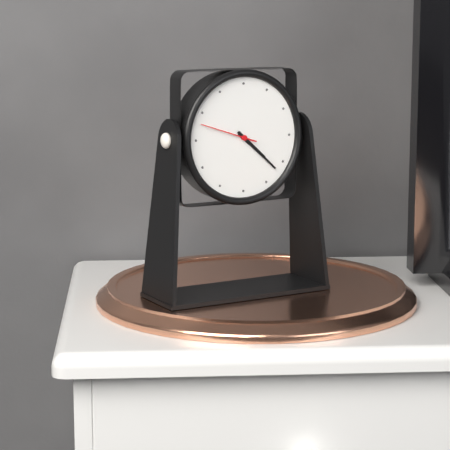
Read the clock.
4:22:48
